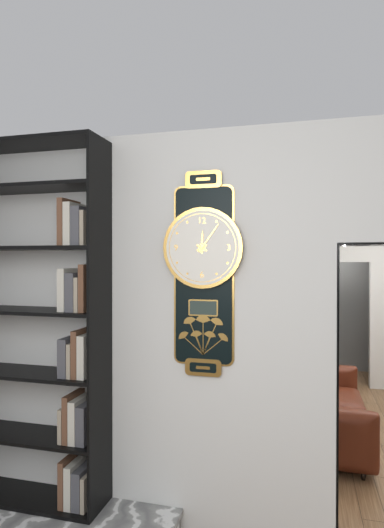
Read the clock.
12:06
